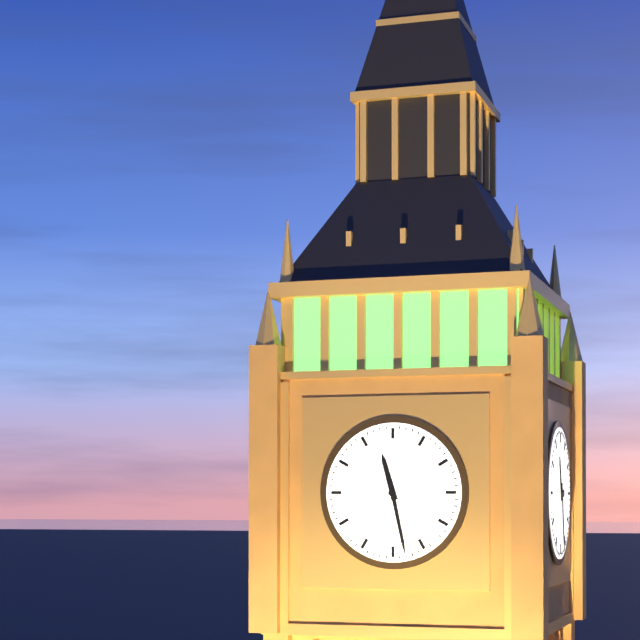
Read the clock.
11:28
